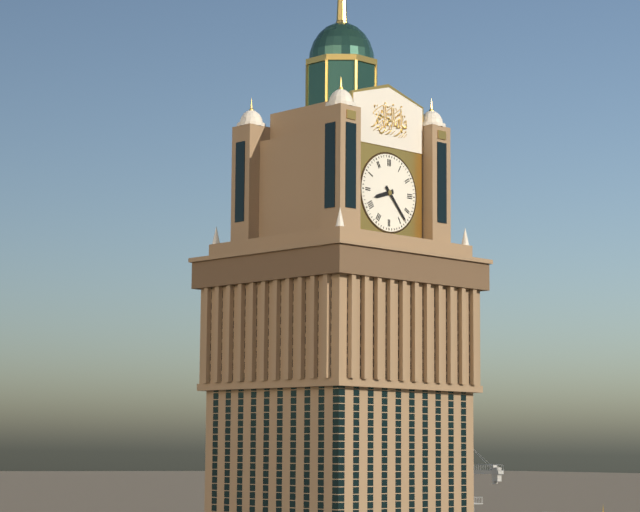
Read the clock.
8:23
